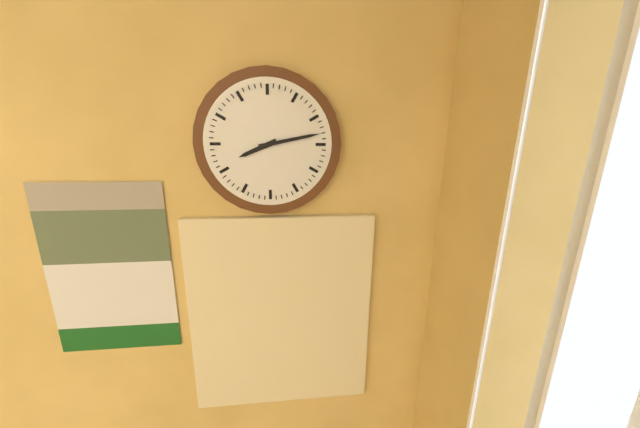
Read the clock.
8:13
